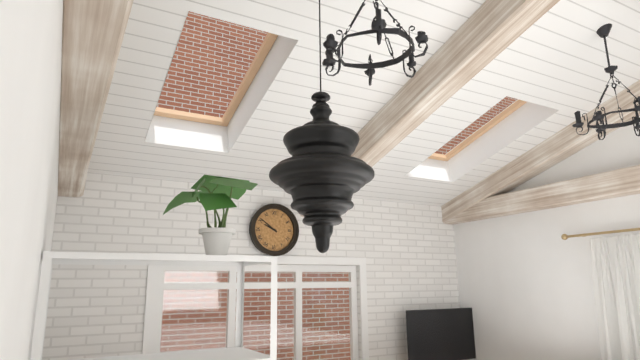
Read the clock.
9:51
